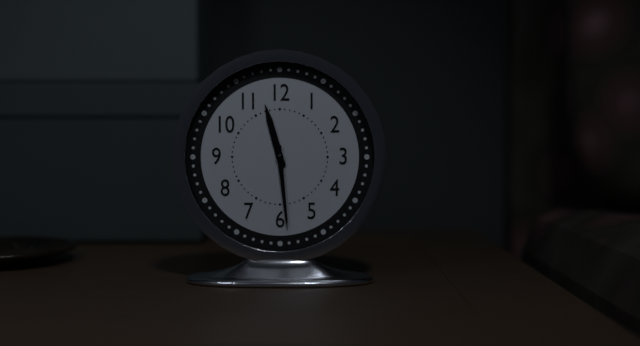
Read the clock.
11:29
